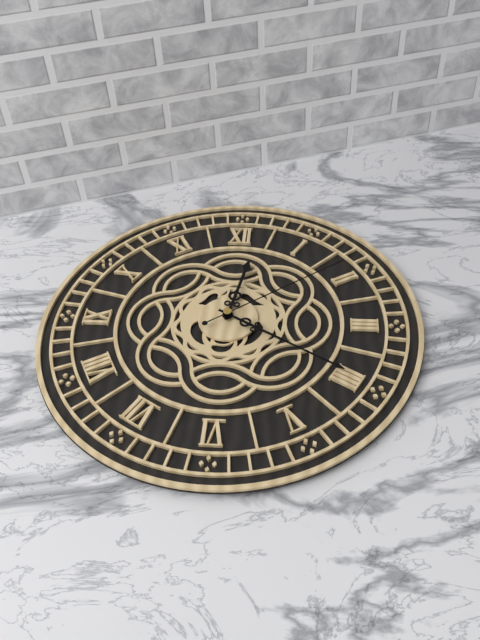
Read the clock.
12:20:09
